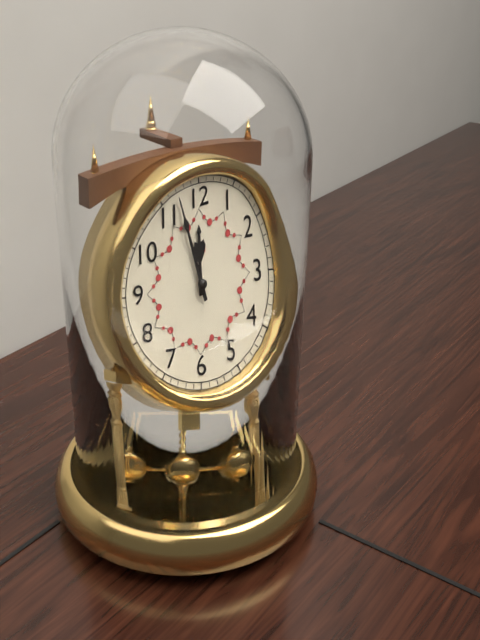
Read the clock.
11:57
